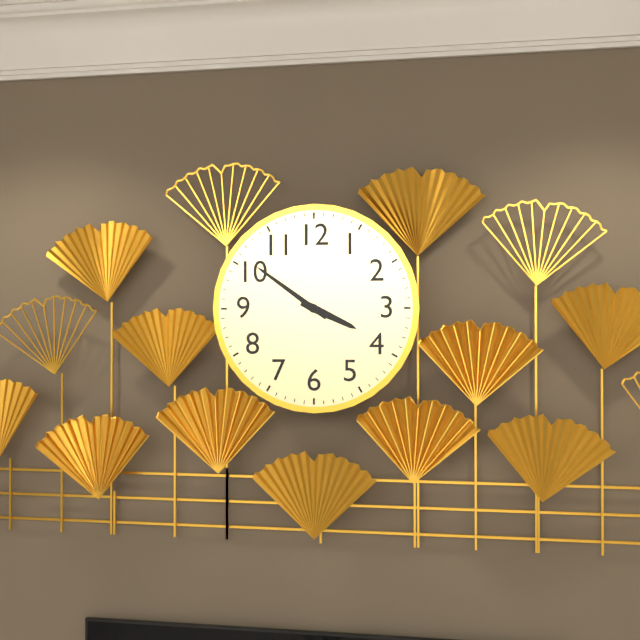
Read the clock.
3:51
